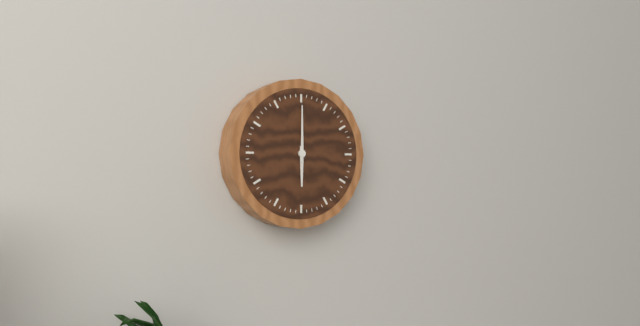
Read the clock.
6:00
